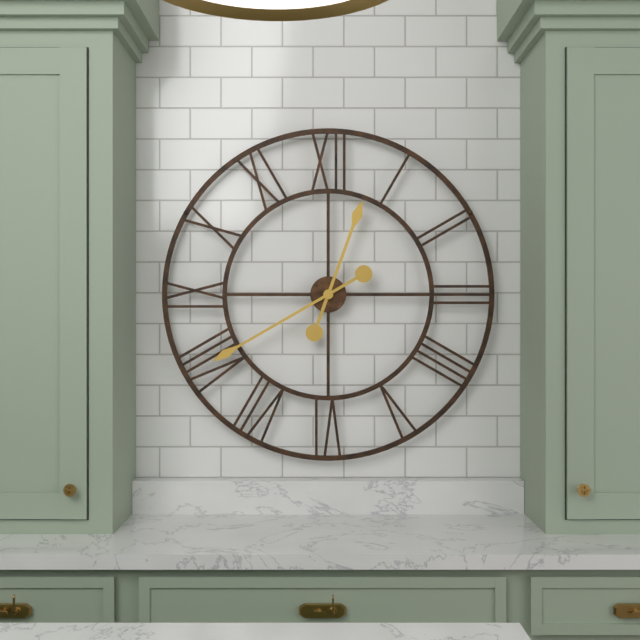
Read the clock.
12:40
